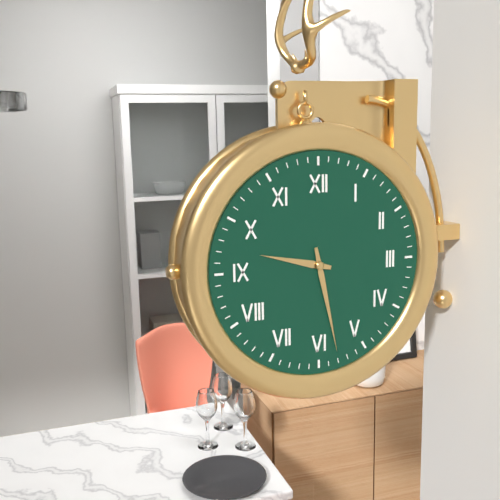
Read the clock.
9:28
